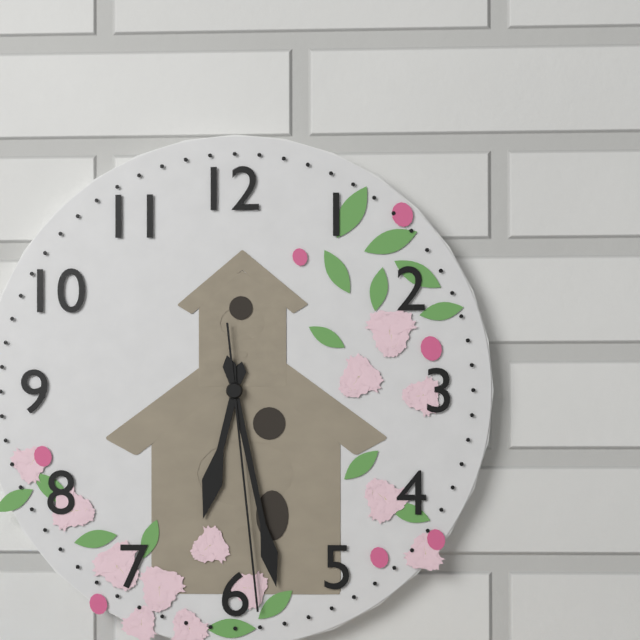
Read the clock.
6:28:29
